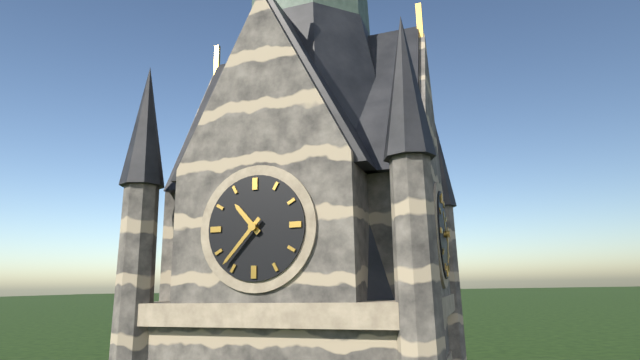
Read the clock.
10:37
